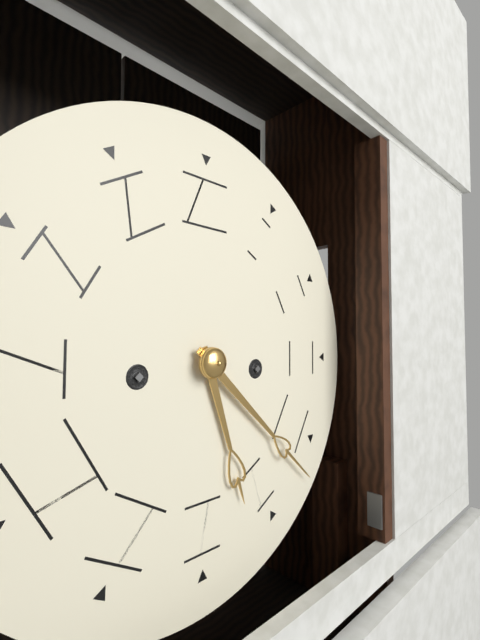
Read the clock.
5:22
